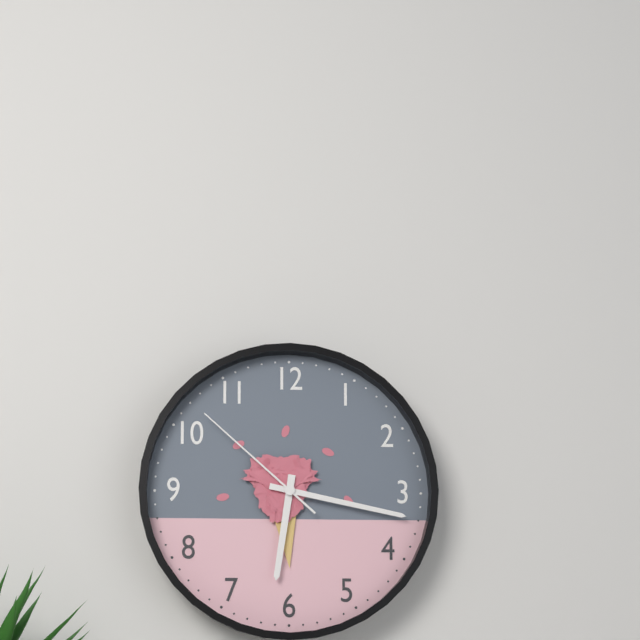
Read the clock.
6:17:52
